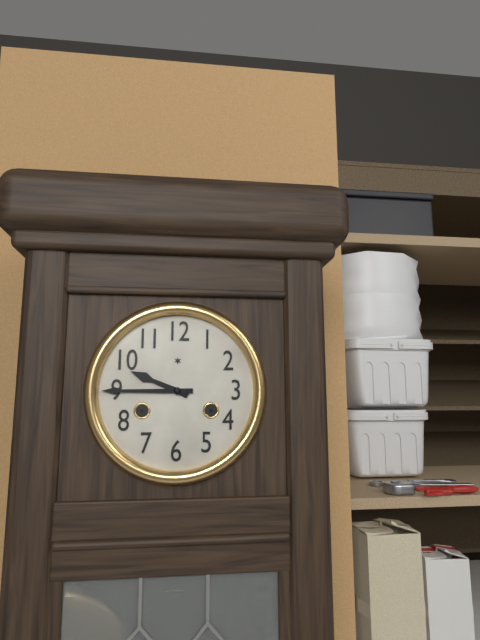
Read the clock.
9:45
